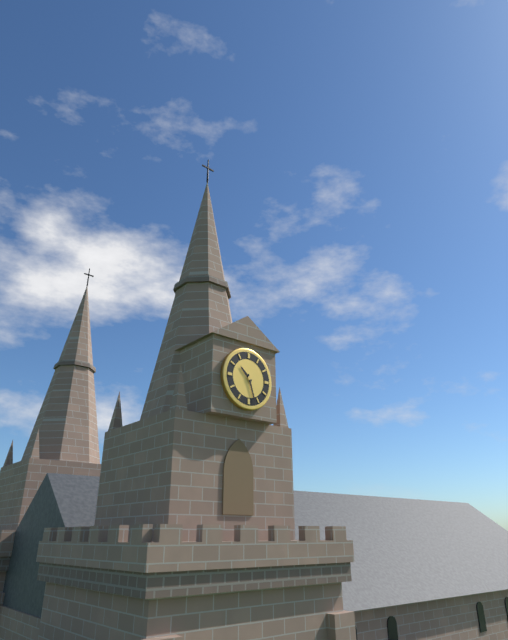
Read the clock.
10:27
